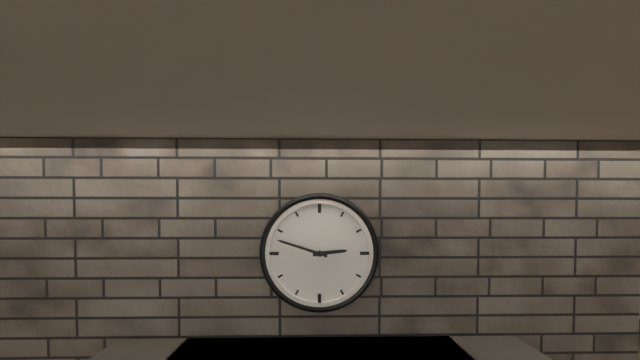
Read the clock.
2:48
